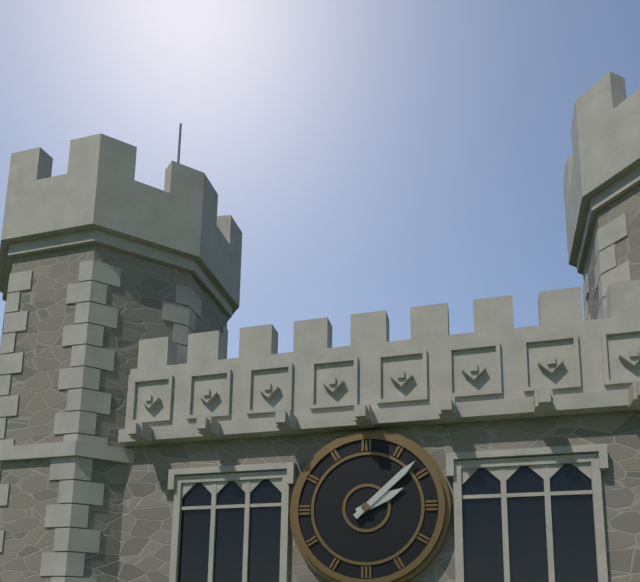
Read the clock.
2:08
